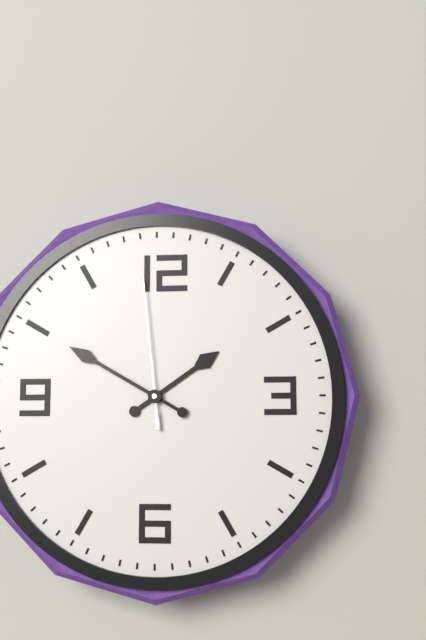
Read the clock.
1:50:59
